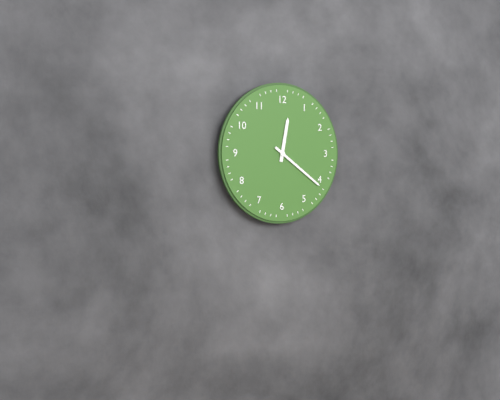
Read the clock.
12:21
